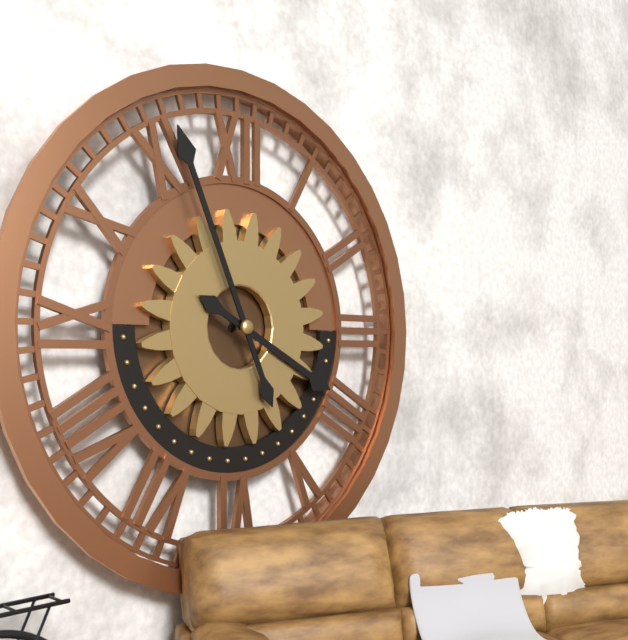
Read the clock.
3:56
